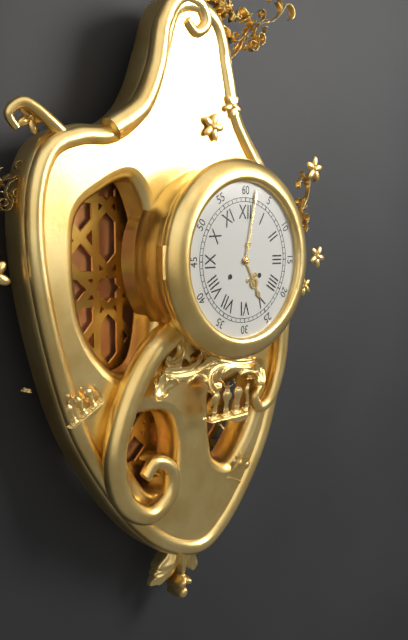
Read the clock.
5:02
